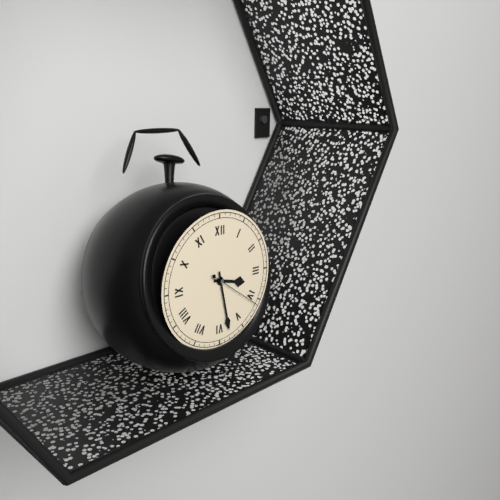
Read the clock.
3:28:21
